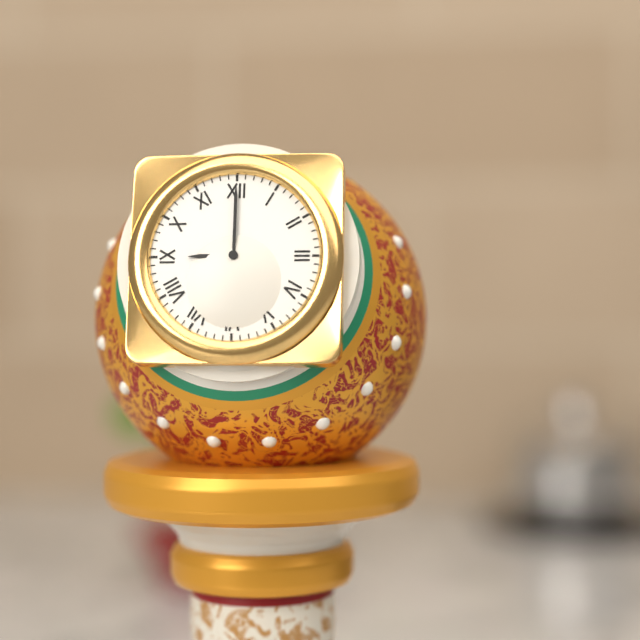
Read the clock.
9:00
